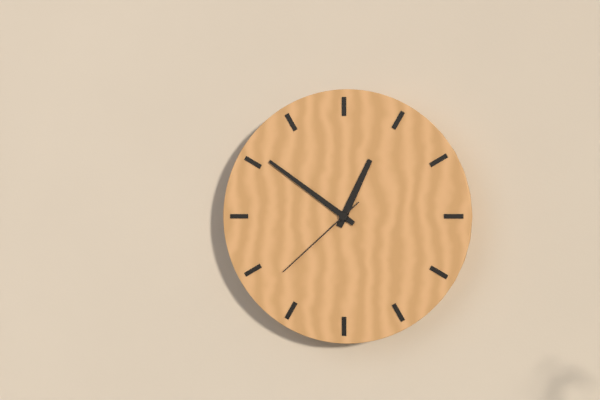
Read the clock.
12:51:38
